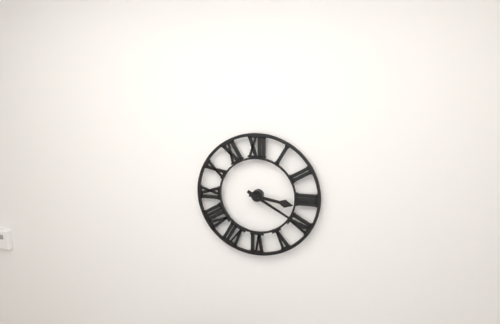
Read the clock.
3:20
